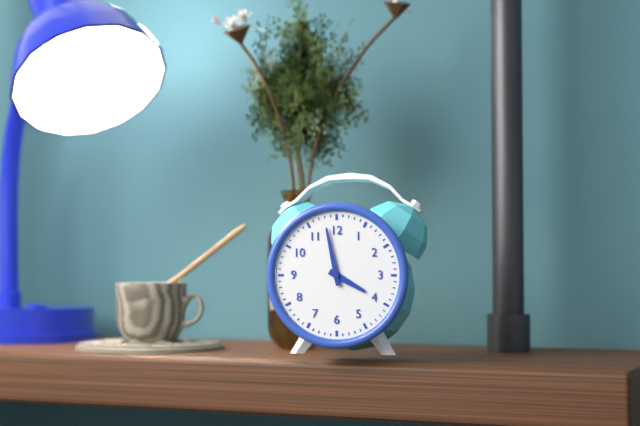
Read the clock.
3:58
